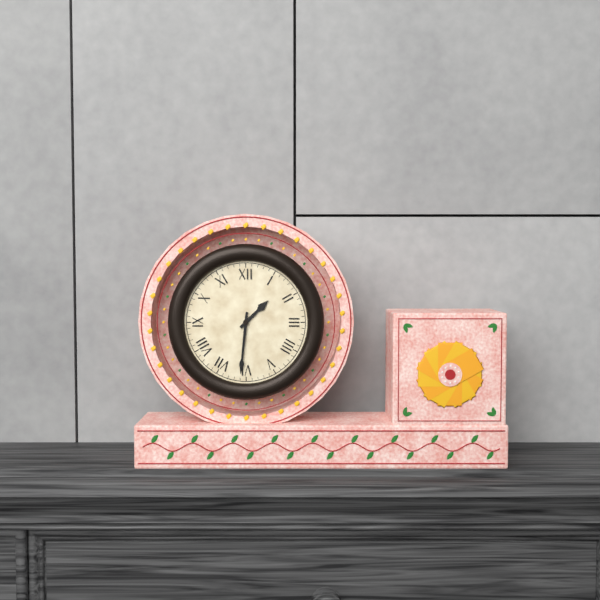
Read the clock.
1:31
